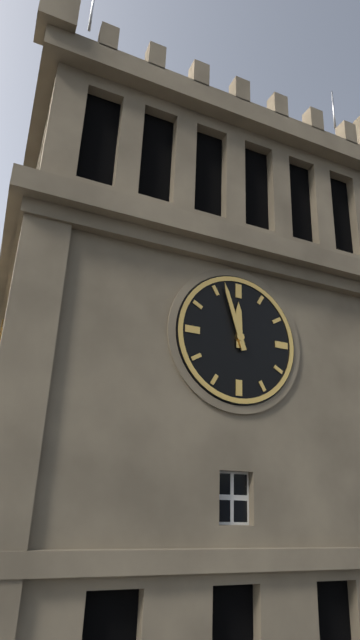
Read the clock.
11:57
